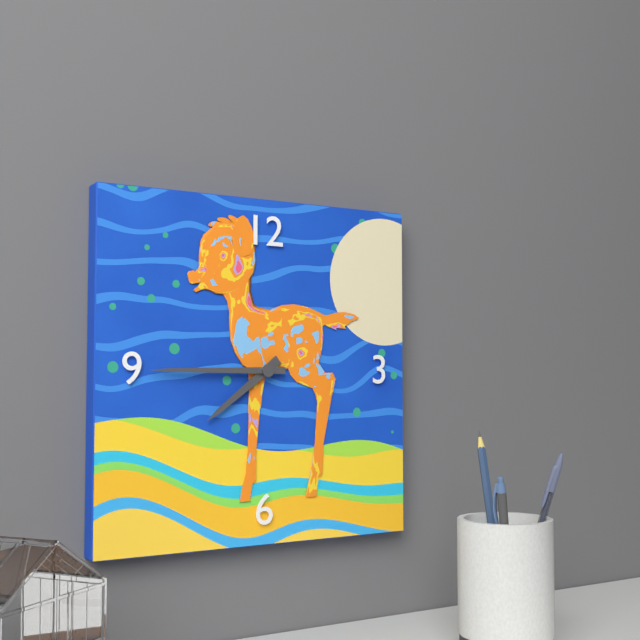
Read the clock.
7:45
